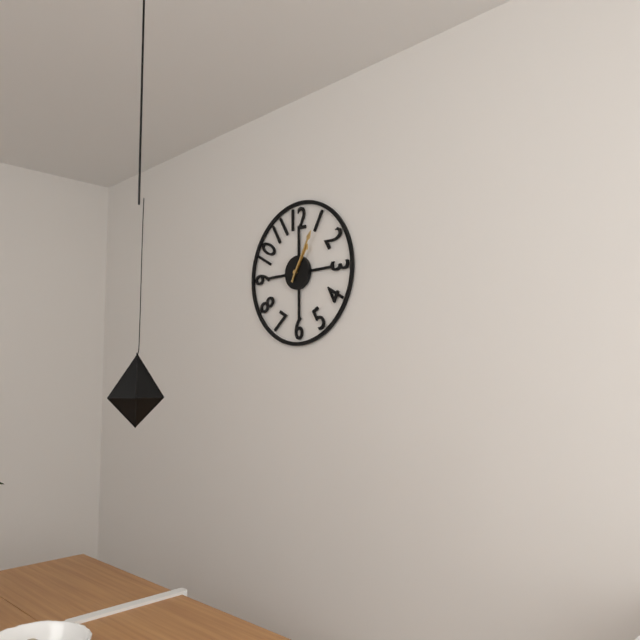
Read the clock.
1:05
